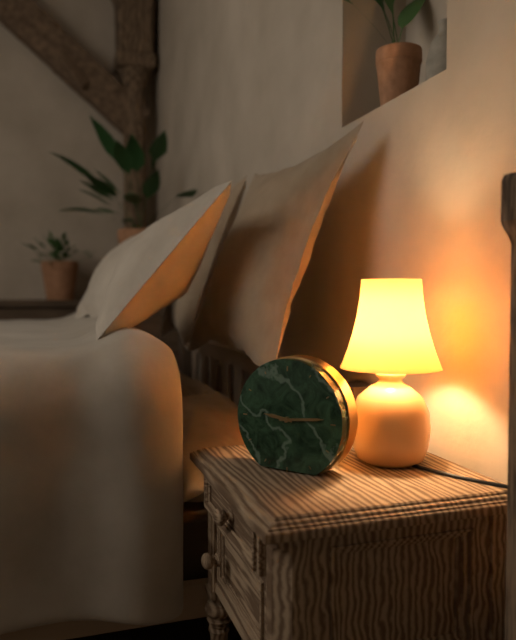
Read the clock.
9:14
